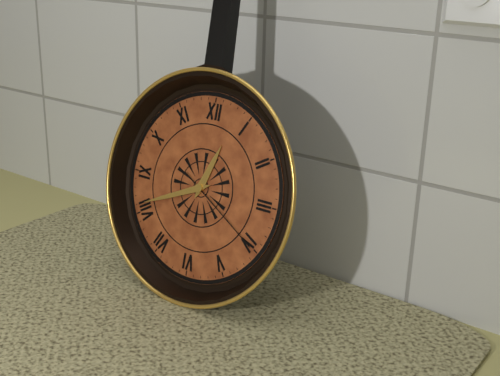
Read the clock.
12:41:20
